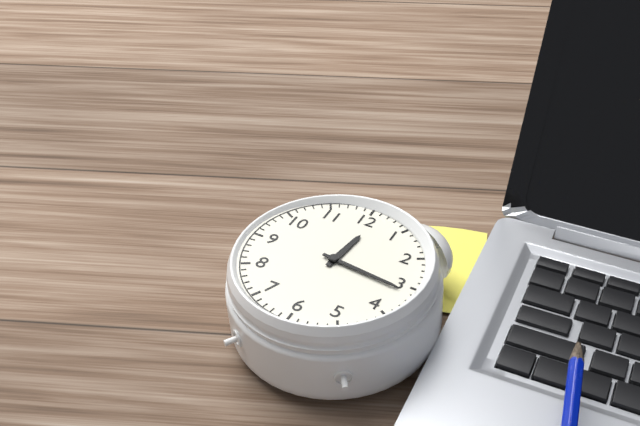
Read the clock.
12:16
